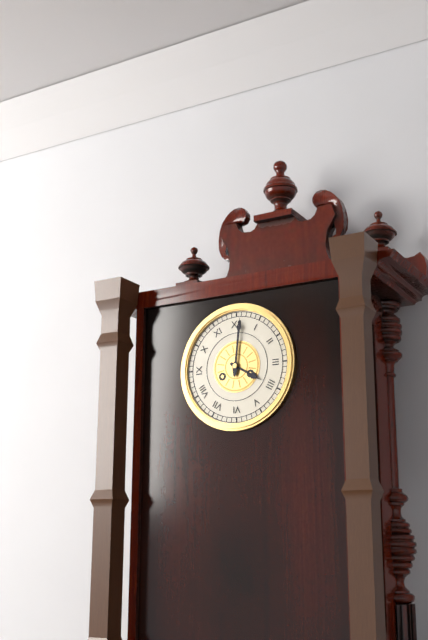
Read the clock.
4:01
